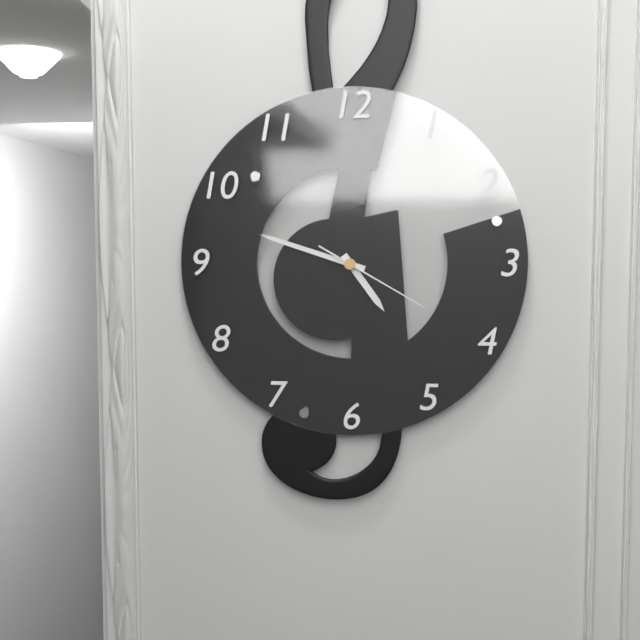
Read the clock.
4:48:20
